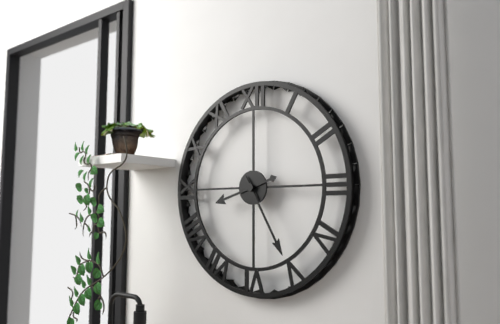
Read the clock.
8:25
